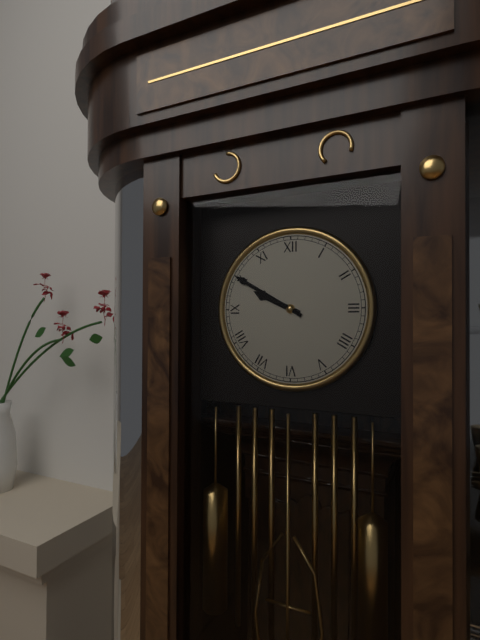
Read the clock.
9:50
